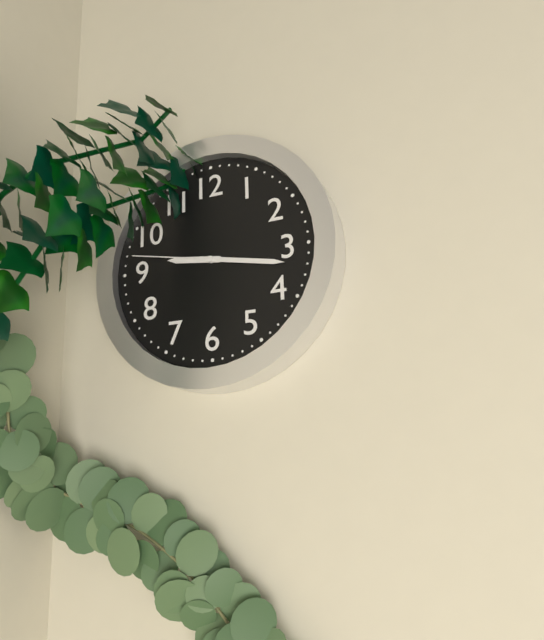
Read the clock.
9:17:47
